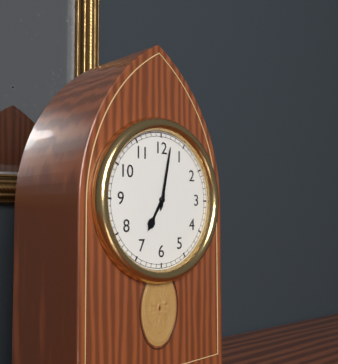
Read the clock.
7:02
